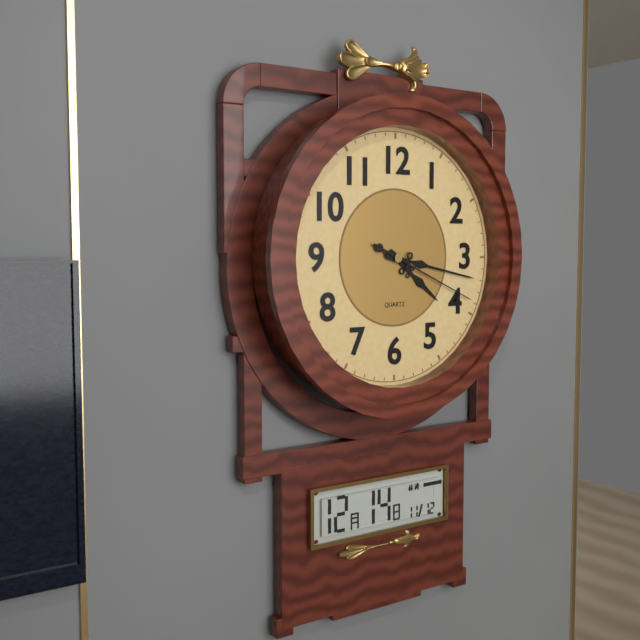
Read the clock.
4:17:19
